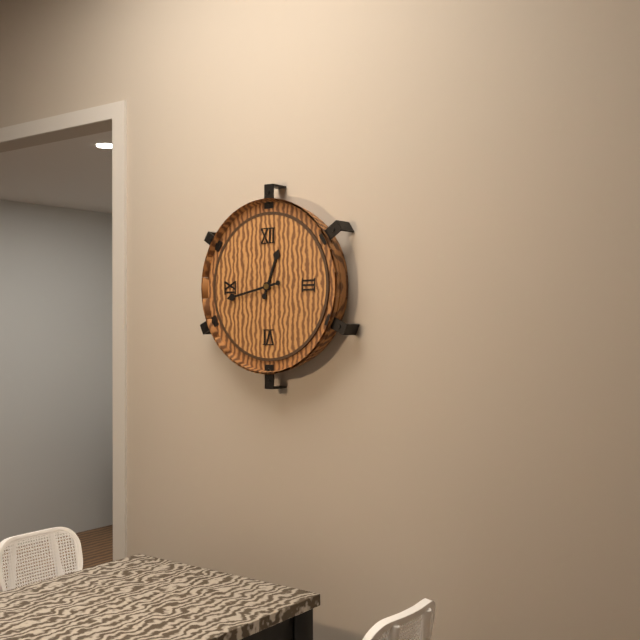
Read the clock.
12:43
